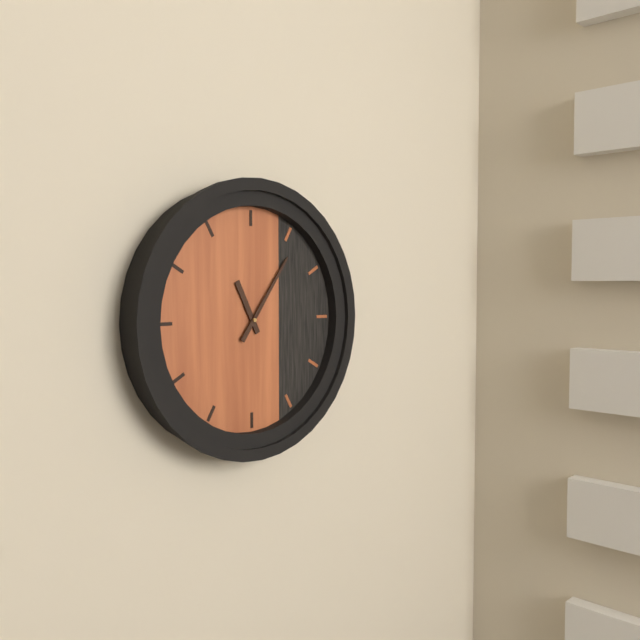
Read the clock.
11:06
